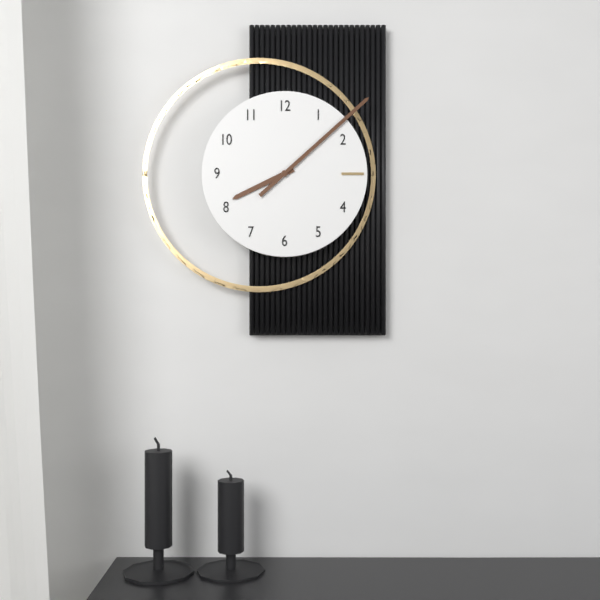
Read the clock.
8:08
